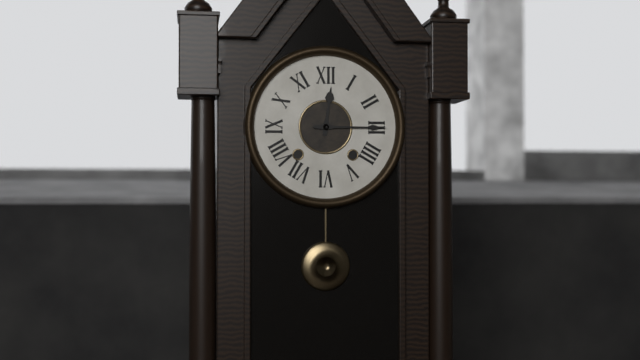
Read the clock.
12:15
